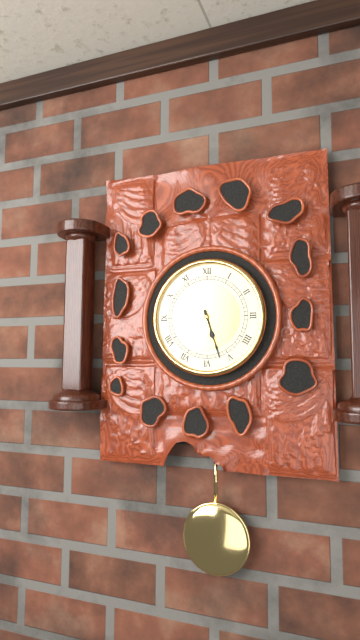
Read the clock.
5:27
